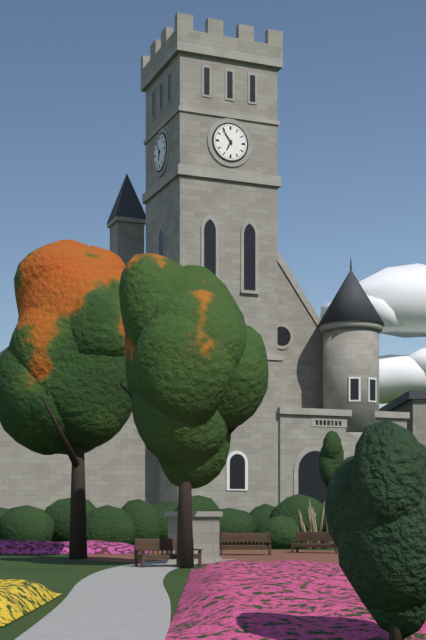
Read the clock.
6:54
